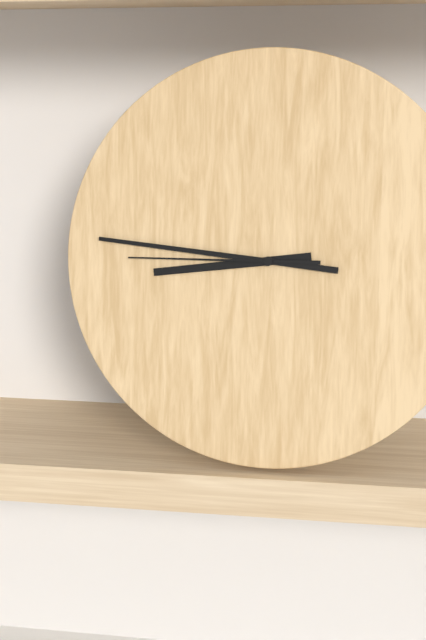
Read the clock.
8:46:45
